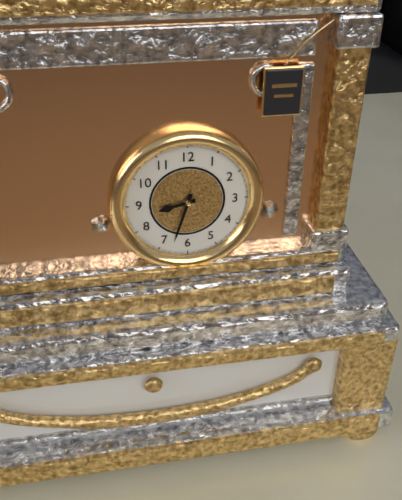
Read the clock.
8:33
